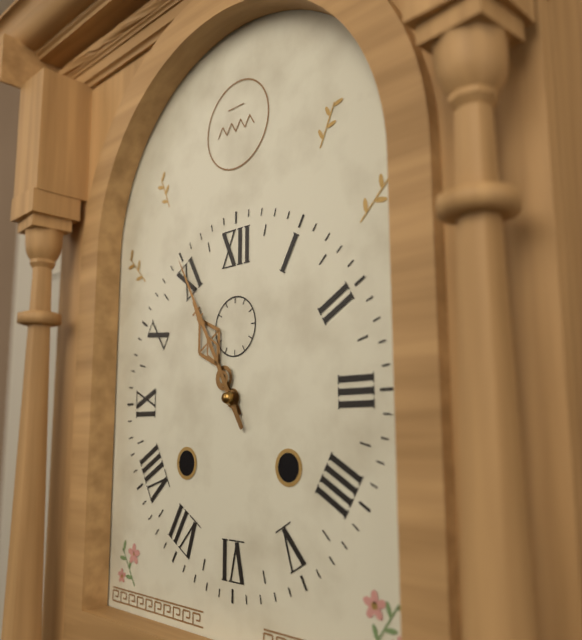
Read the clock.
10:55
